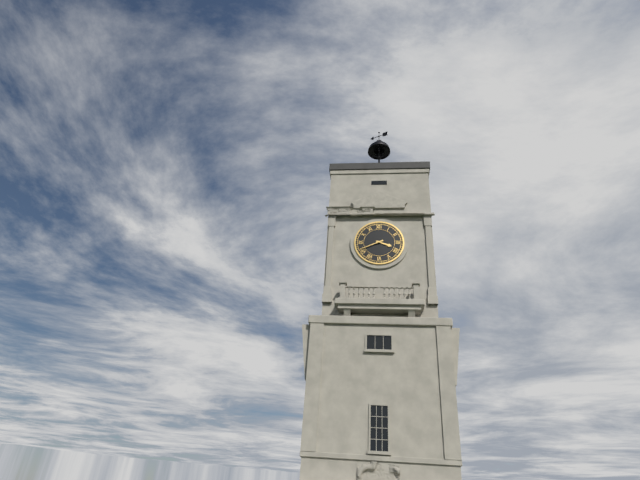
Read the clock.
3:41
